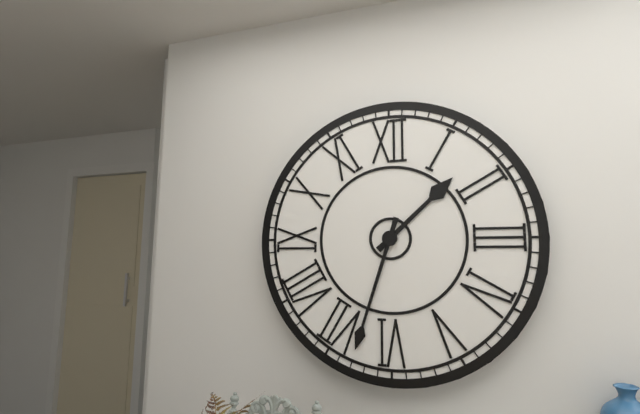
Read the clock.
1:33
